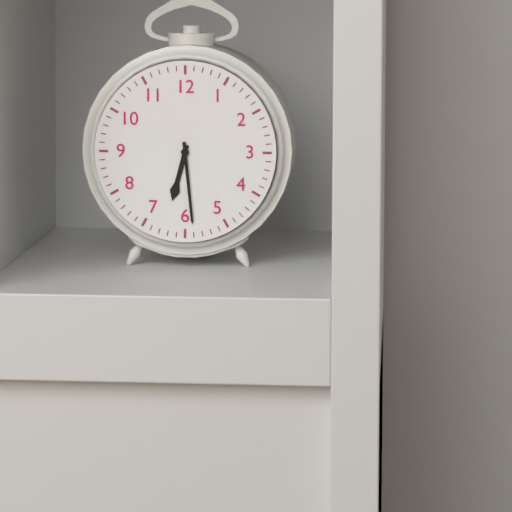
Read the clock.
6:29
